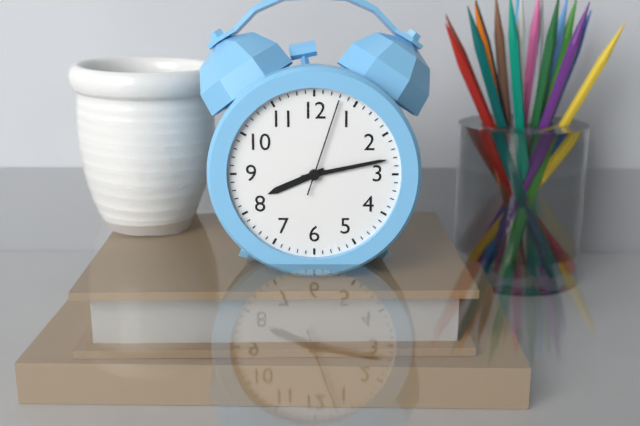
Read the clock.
8:13:03
